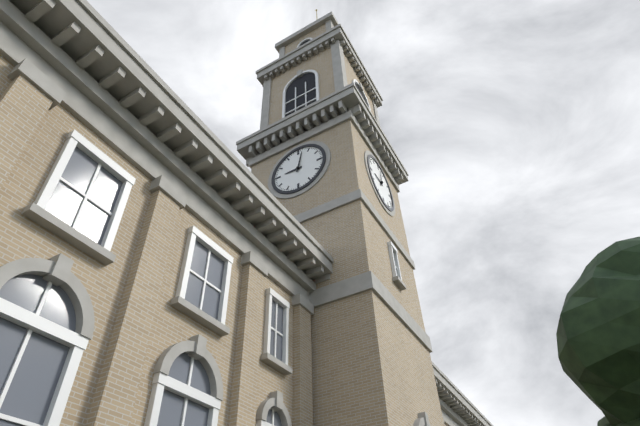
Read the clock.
9:02
